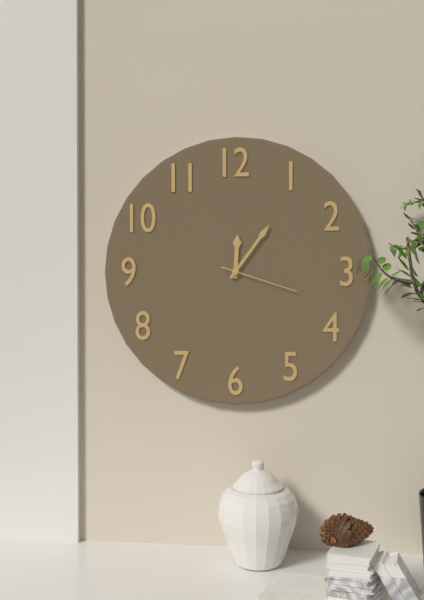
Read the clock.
12:06:18
